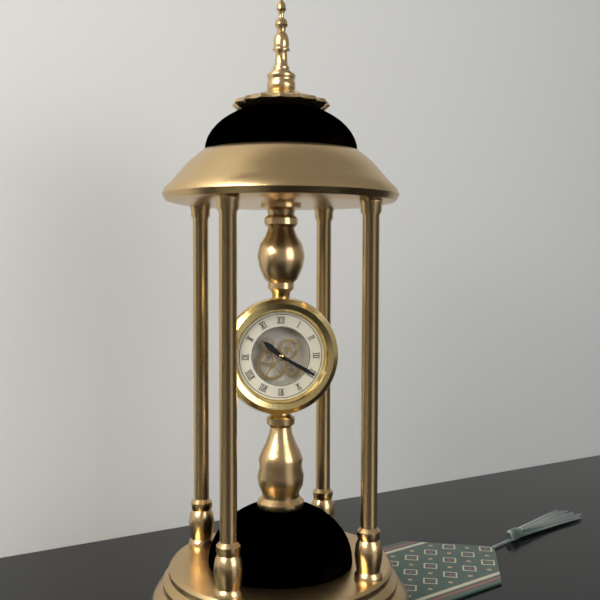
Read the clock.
10:20
